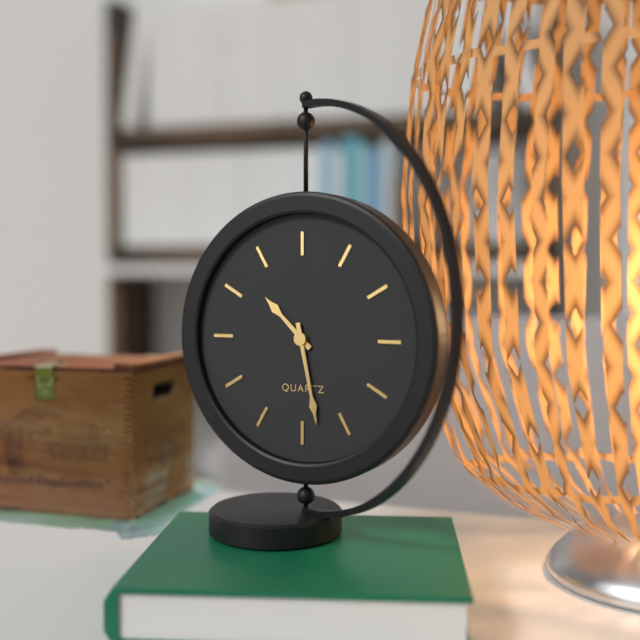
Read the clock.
10:28
